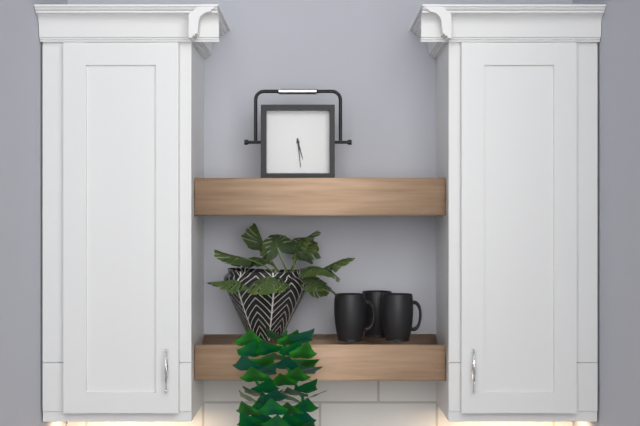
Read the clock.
5:29
